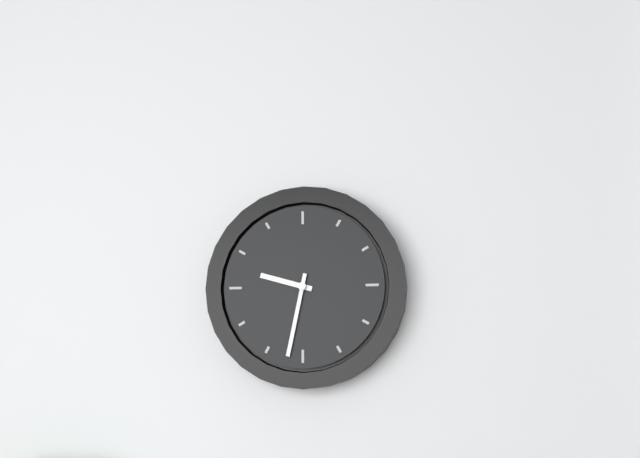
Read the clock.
9:32
